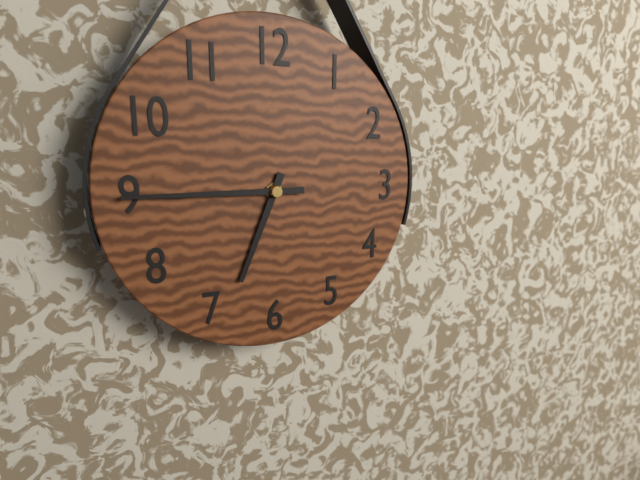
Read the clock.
6:45
